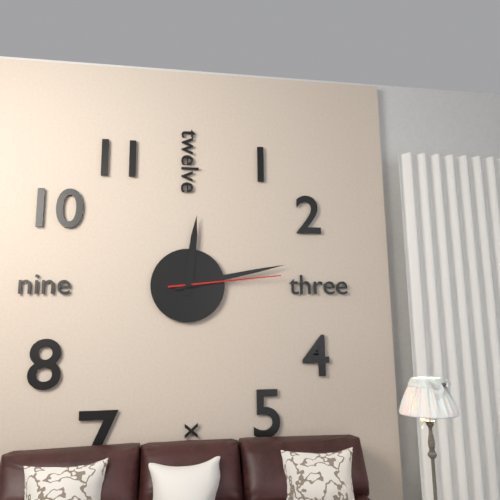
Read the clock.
12:13:14
